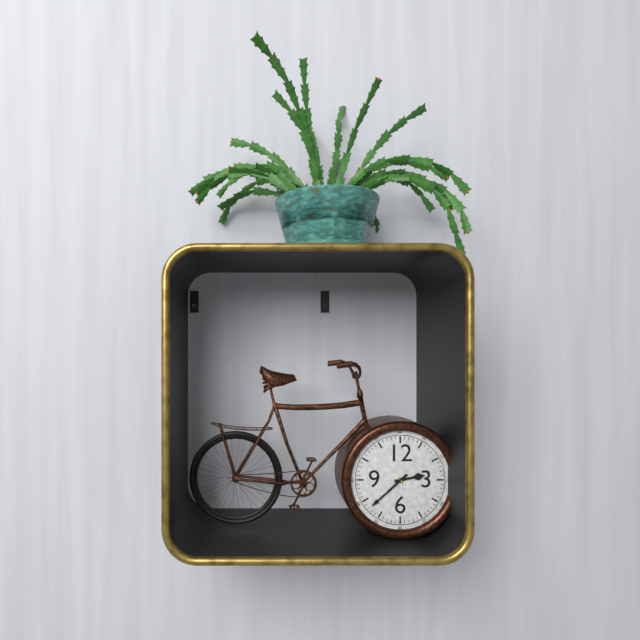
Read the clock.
2:38
